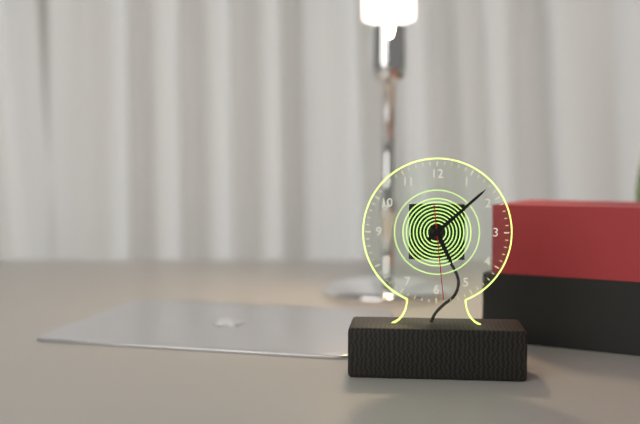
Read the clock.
5:08:29
